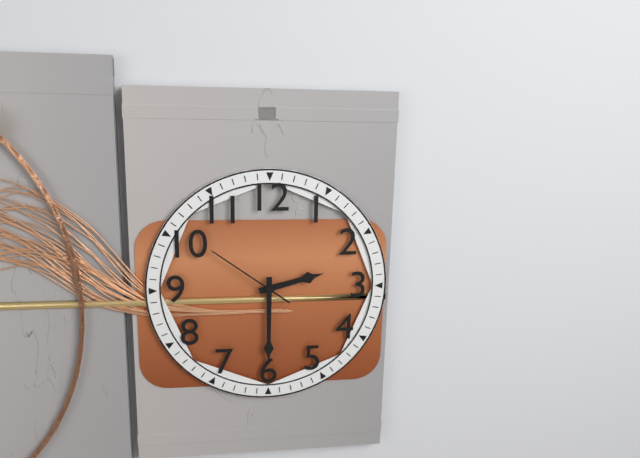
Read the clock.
2:30:51
